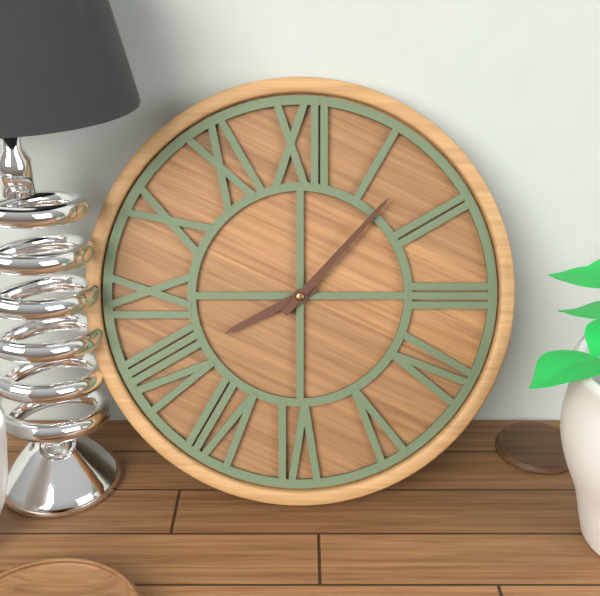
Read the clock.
8:07
